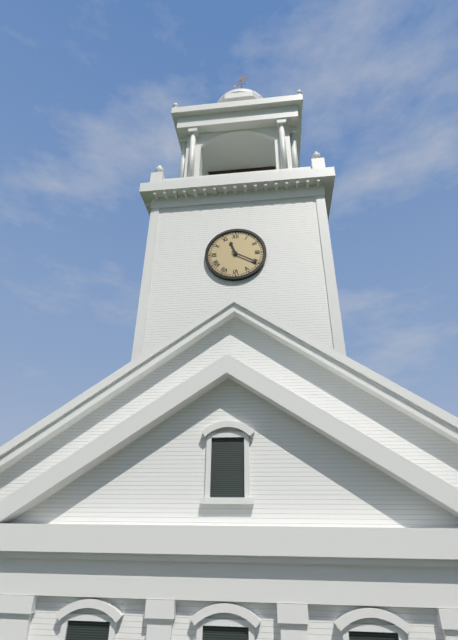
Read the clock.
11:20
